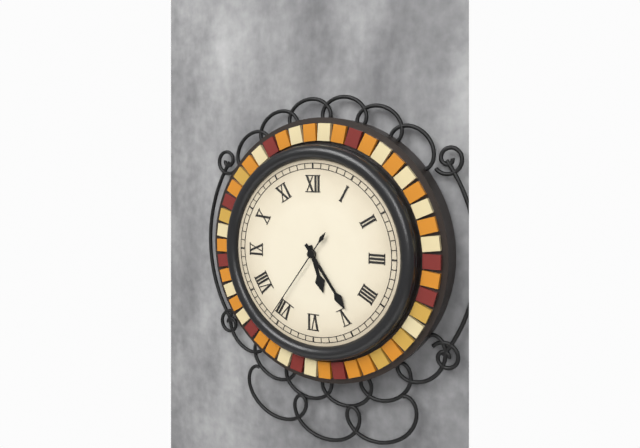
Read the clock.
5:24:36
